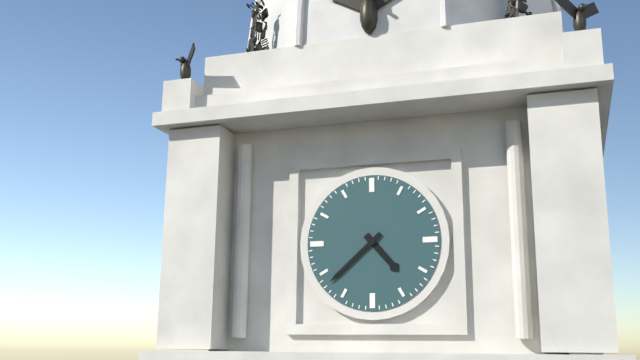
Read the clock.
4:38
